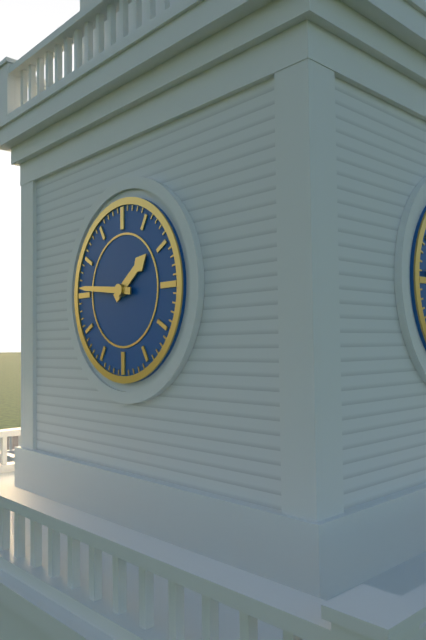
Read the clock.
1:46
